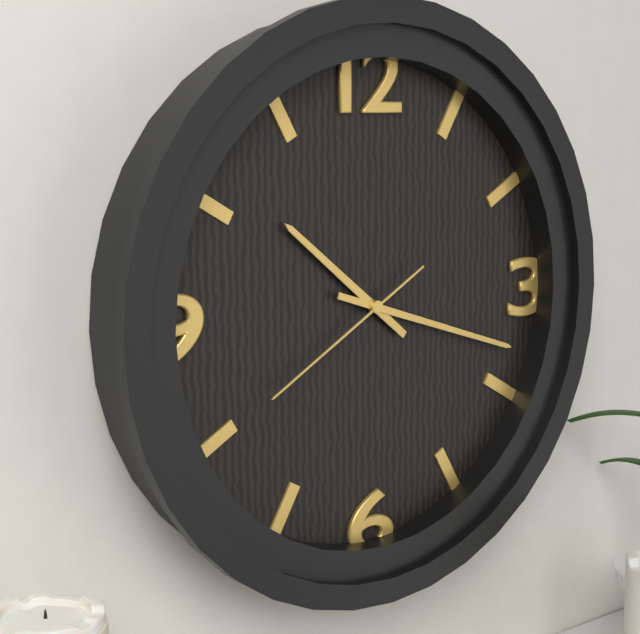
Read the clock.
10:18:40
